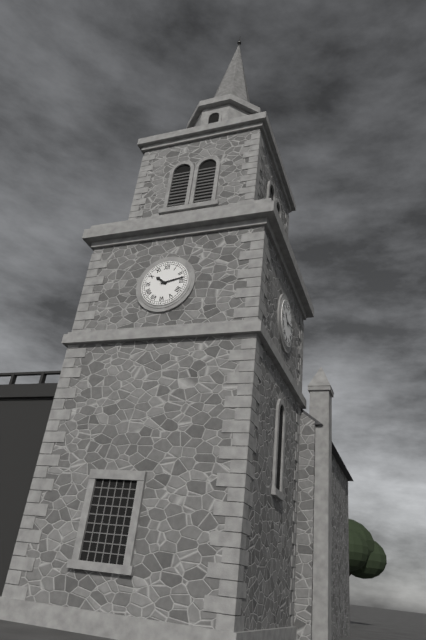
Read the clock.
10:13
